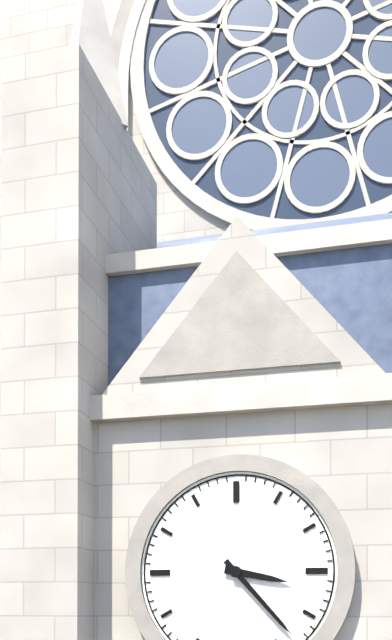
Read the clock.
3:23
